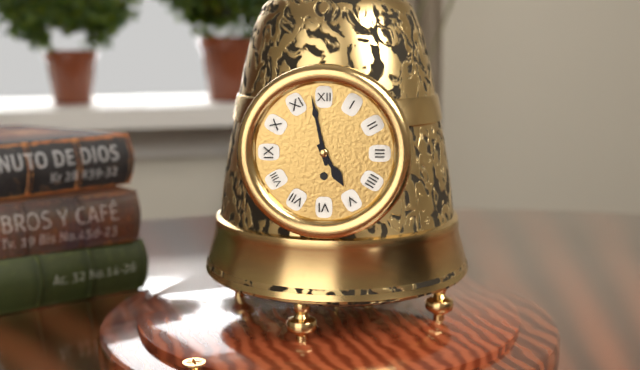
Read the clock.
4:58
